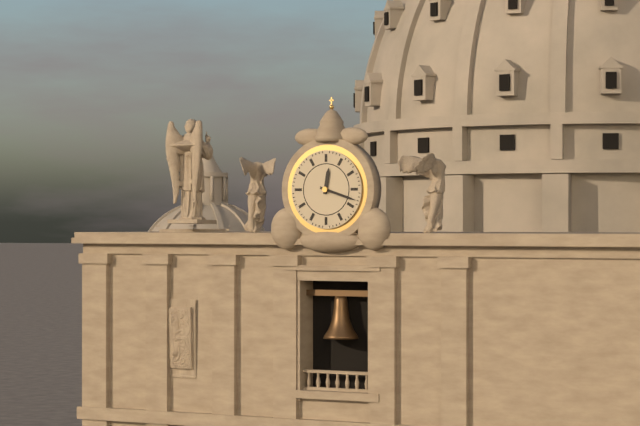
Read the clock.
12:18
